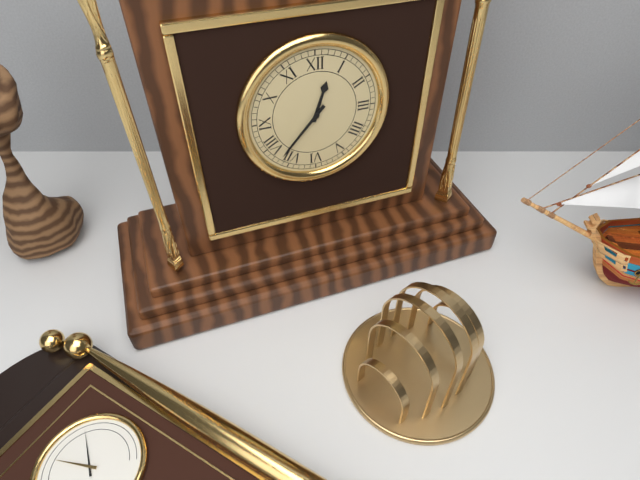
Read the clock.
12:37
